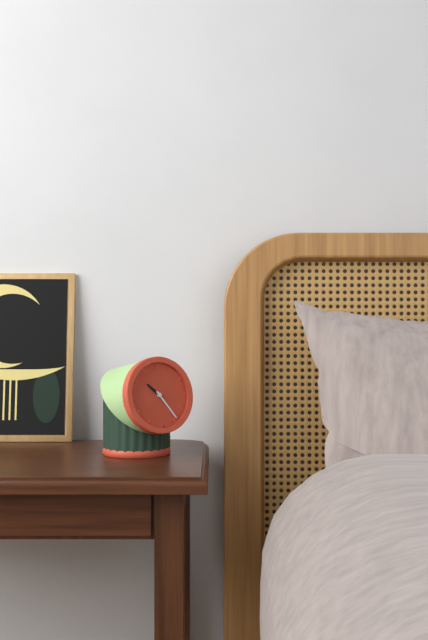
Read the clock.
10:24
